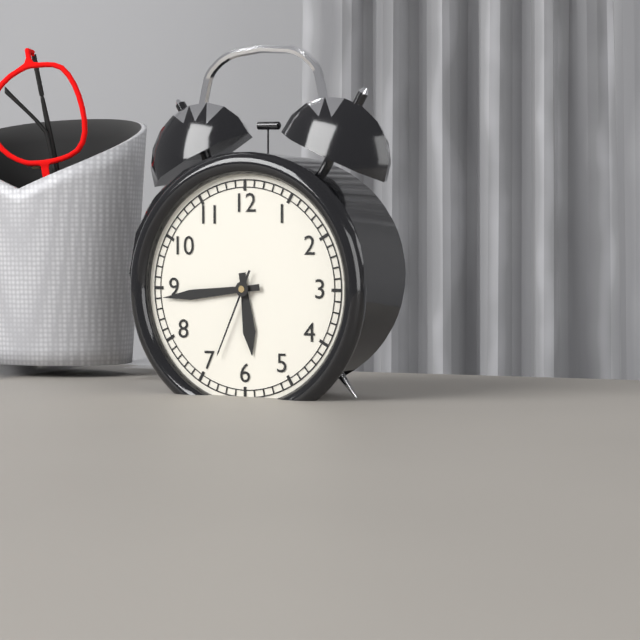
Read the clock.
5:44:34
